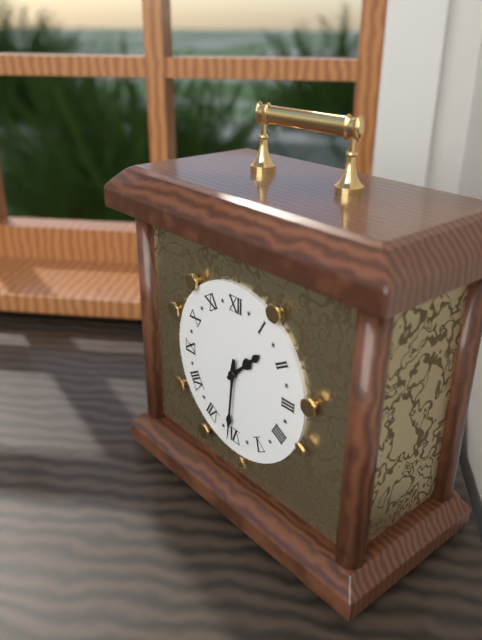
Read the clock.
1:31
